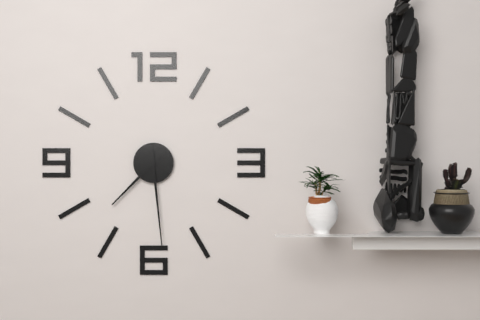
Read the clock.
7:29
